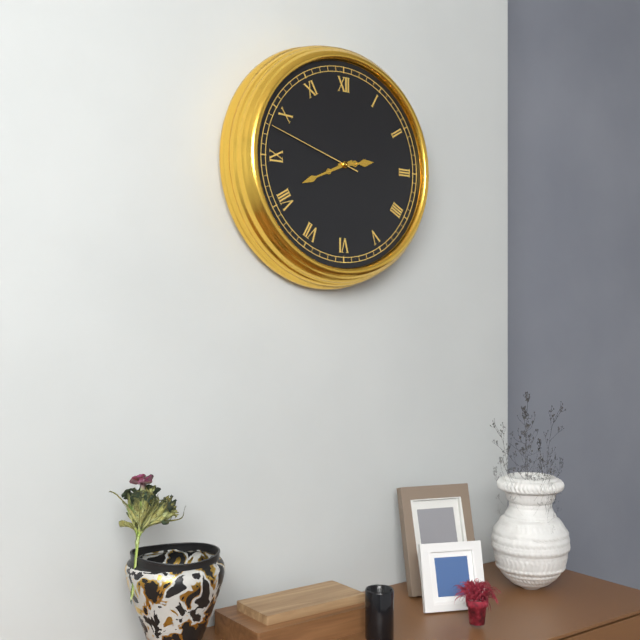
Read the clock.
2:41:48
